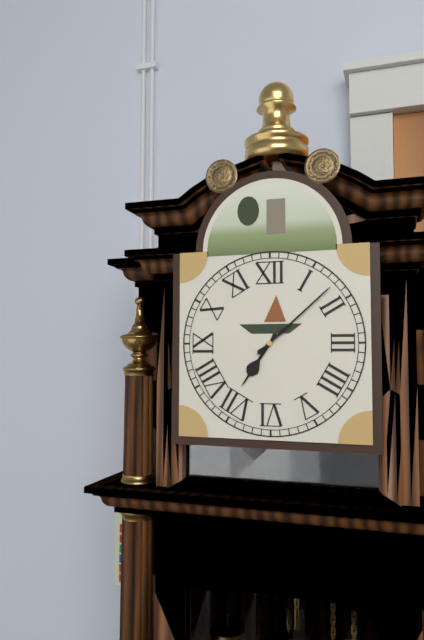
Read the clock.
7:08
